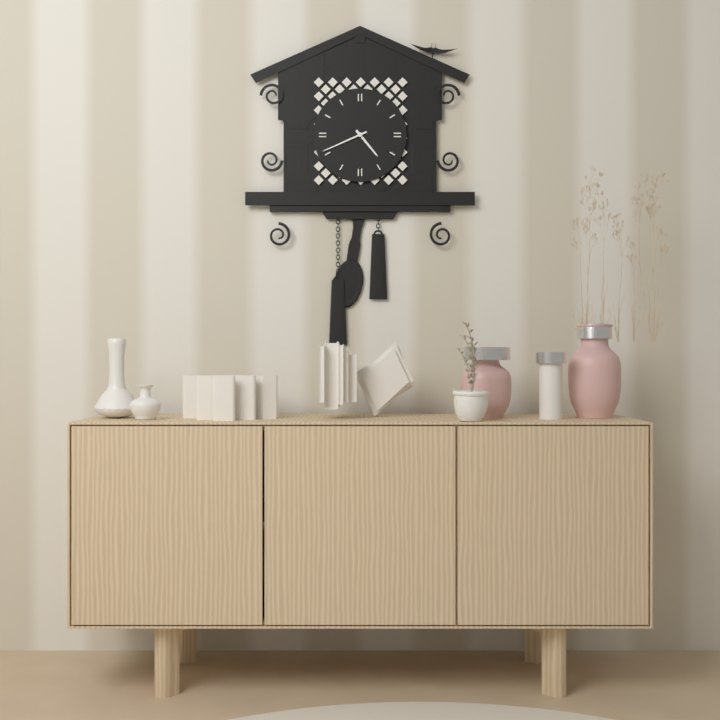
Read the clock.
4:41
